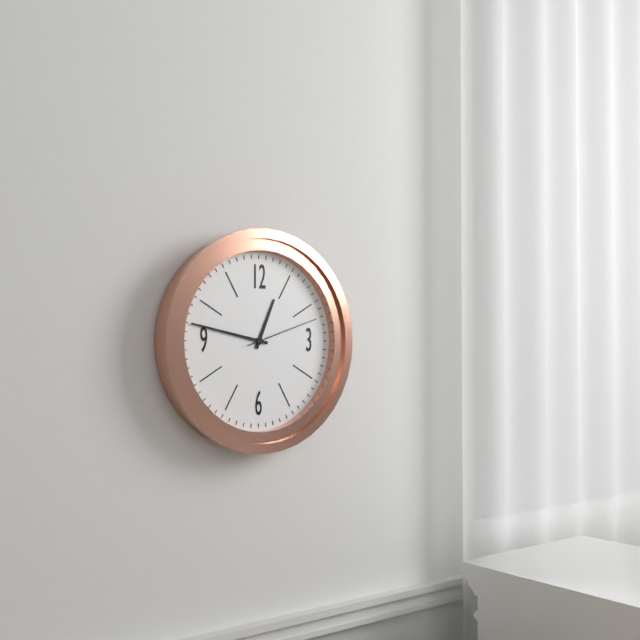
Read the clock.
12:47:12
